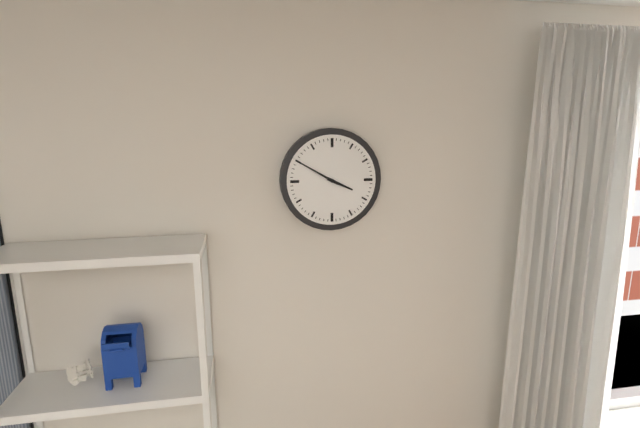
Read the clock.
3:50
